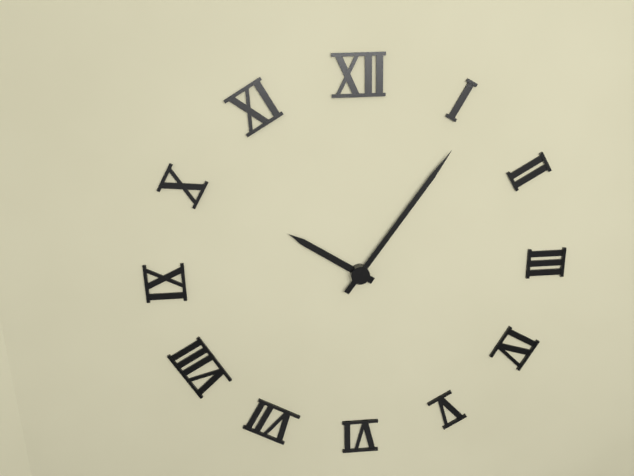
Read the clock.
10:06
